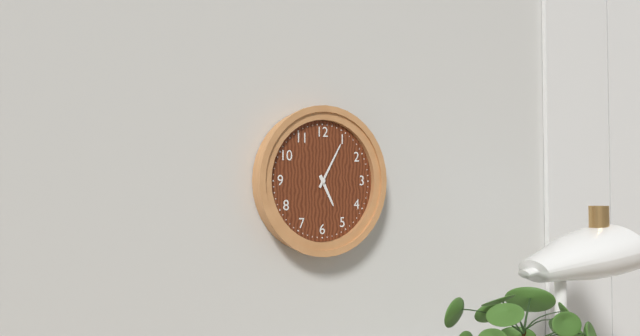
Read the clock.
5:05
